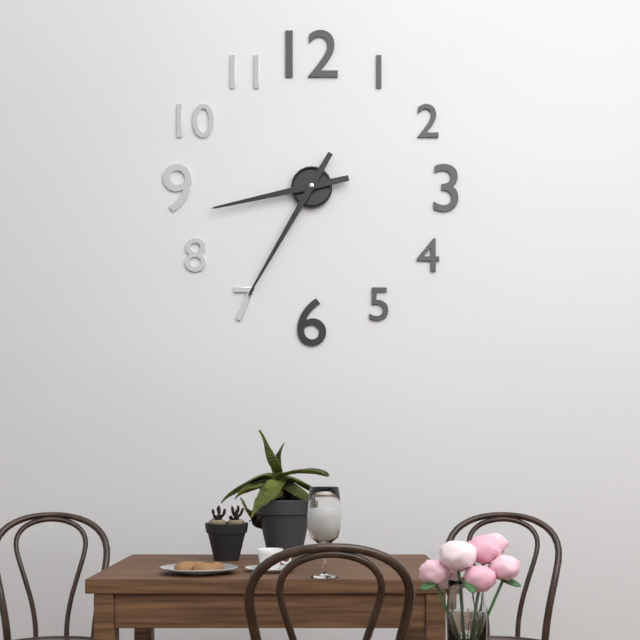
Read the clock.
8:35
